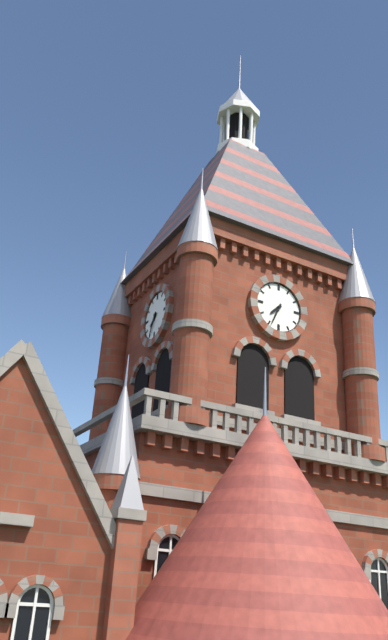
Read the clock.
7:34
